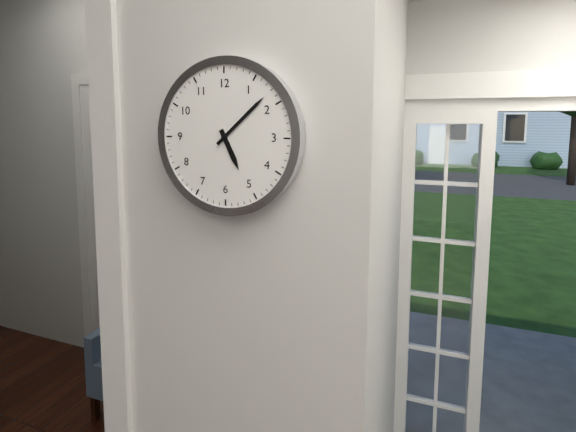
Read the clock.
5:08
